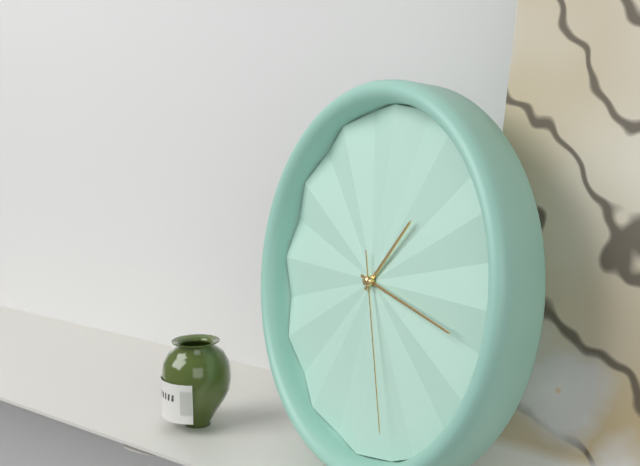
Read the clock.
1:17:27
